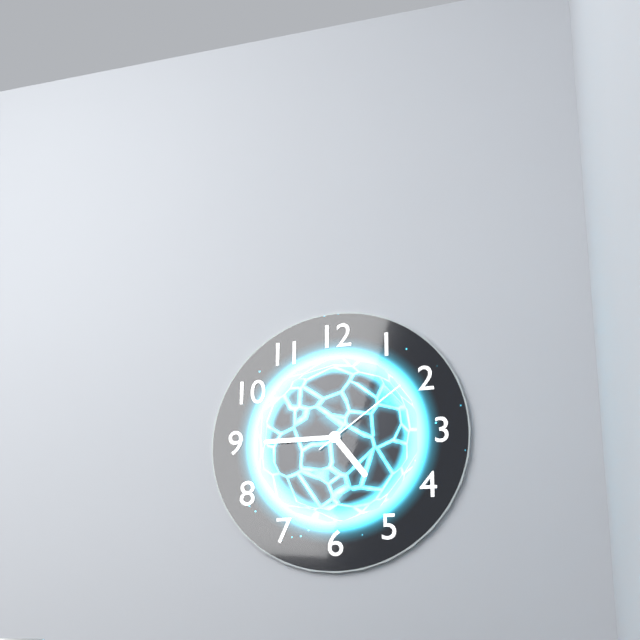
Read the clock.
4:45:09
